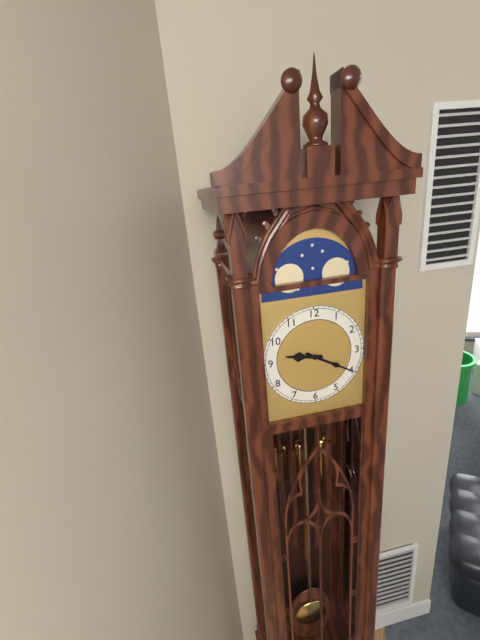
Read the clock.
9:20
